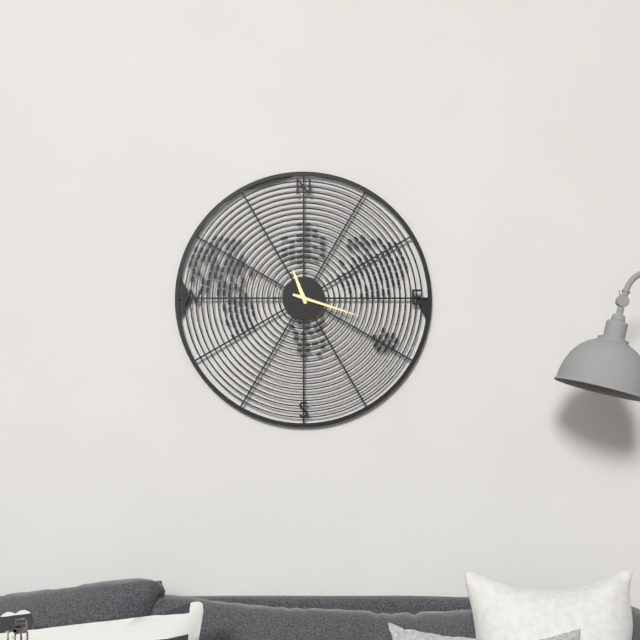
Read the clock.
11:18
